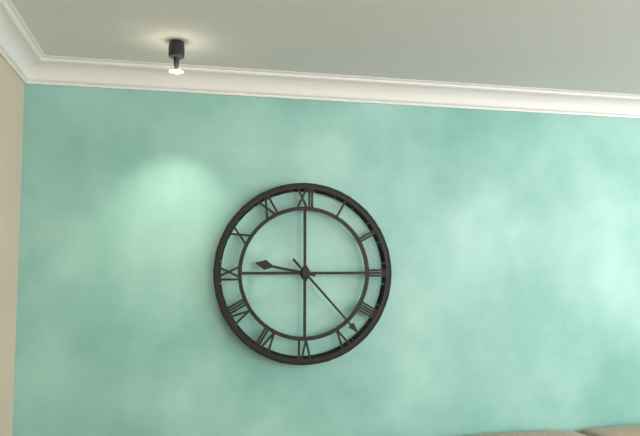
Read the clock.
9:23
